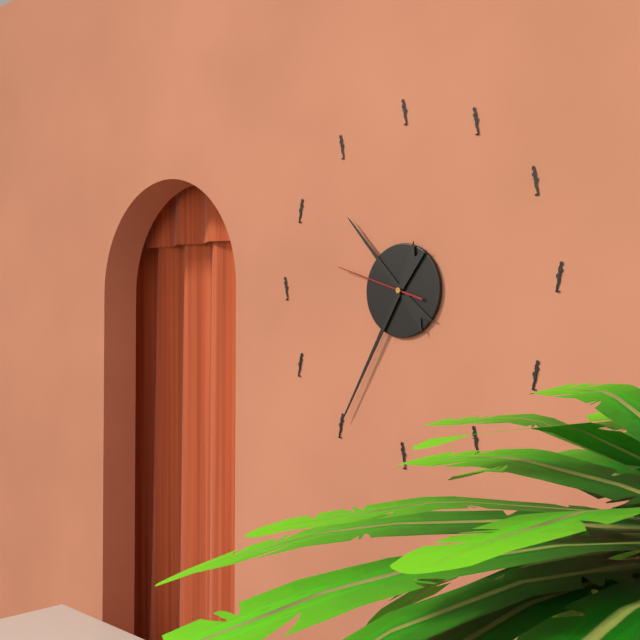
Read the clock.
10:35:48
